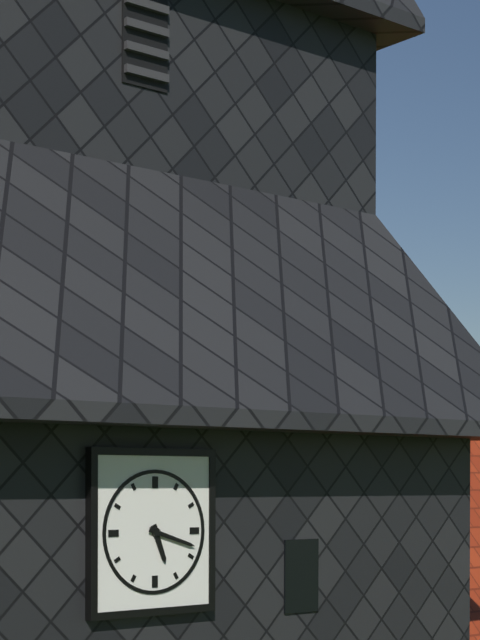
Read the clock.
5:18
